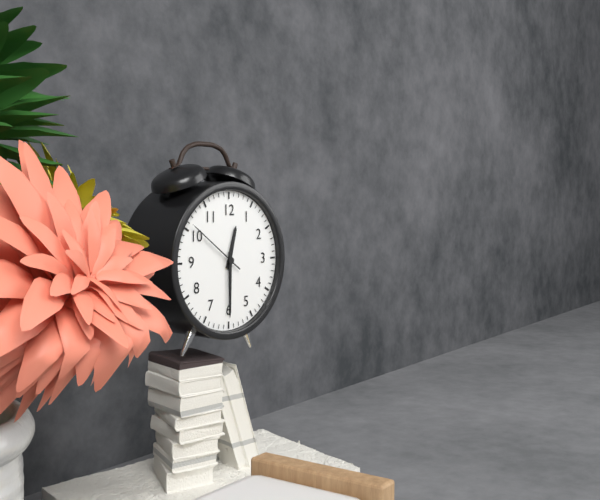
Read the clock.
12:30:51
